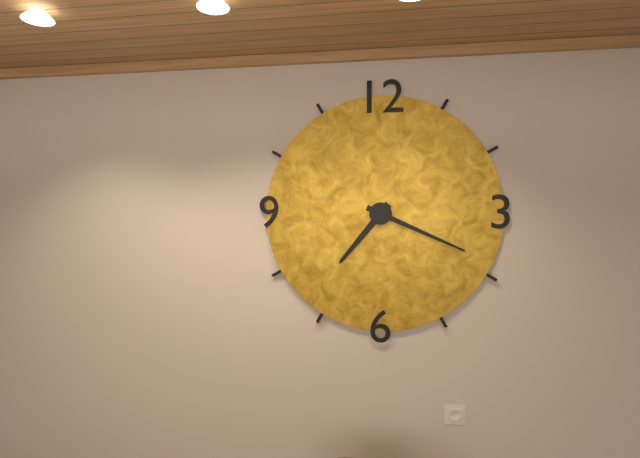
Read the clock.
7:19
